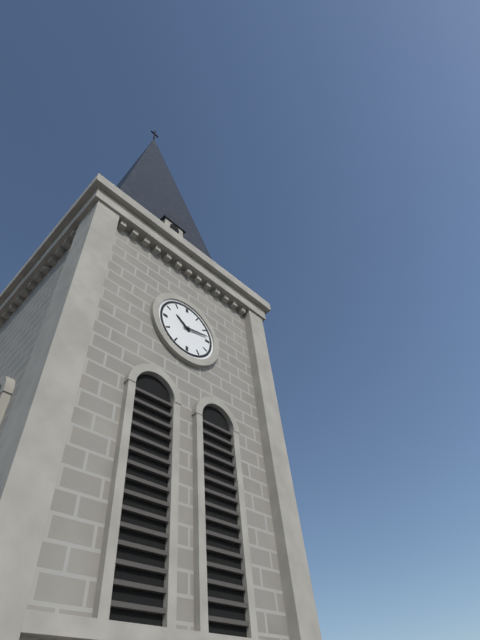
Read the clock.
10:13
